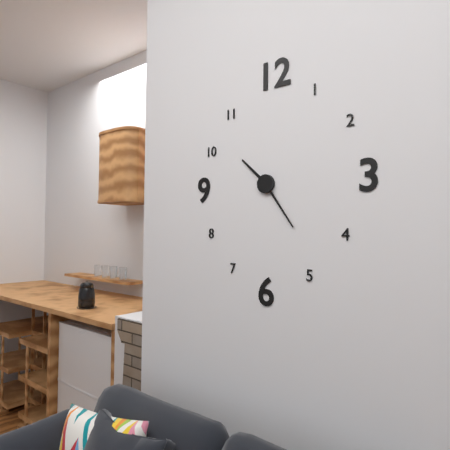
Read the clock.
10:24
